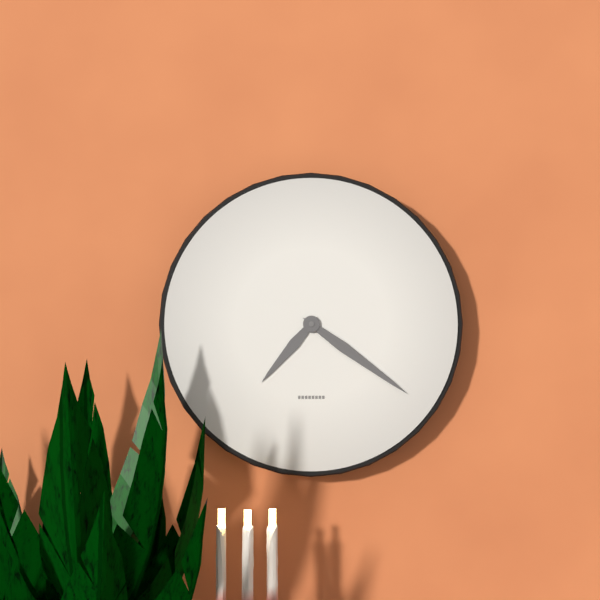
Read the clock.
7:21
